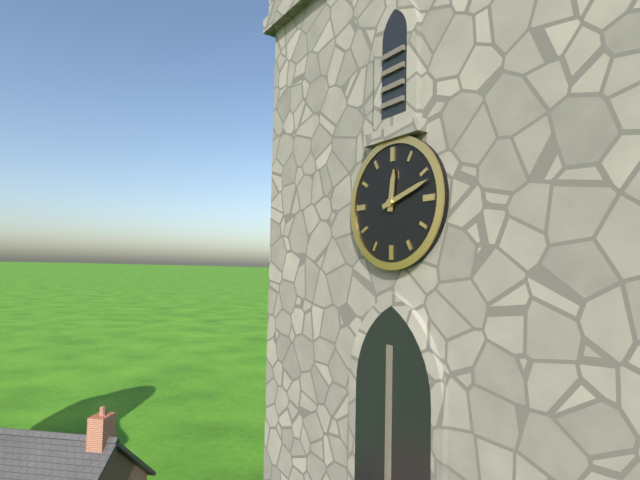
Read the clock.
12:12
